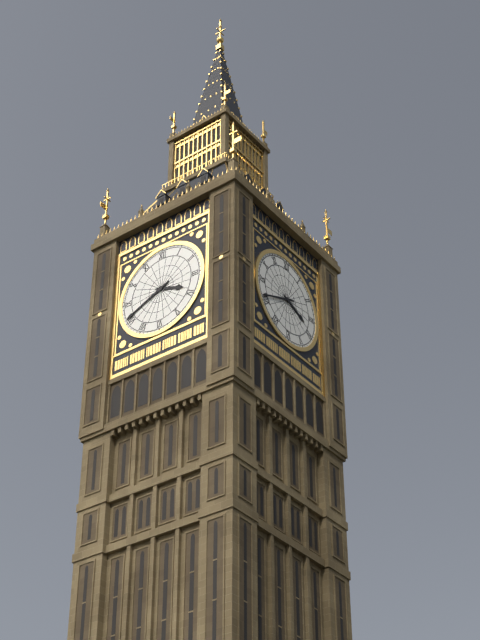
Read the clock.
3:41
